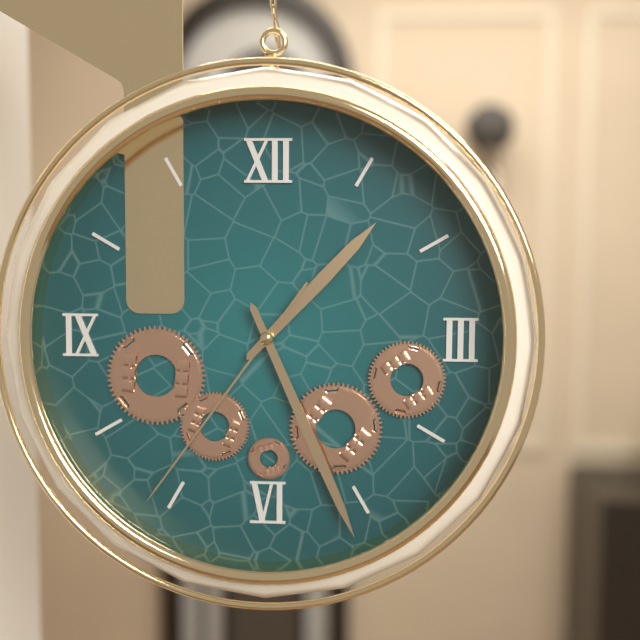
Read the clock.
1:26:36
